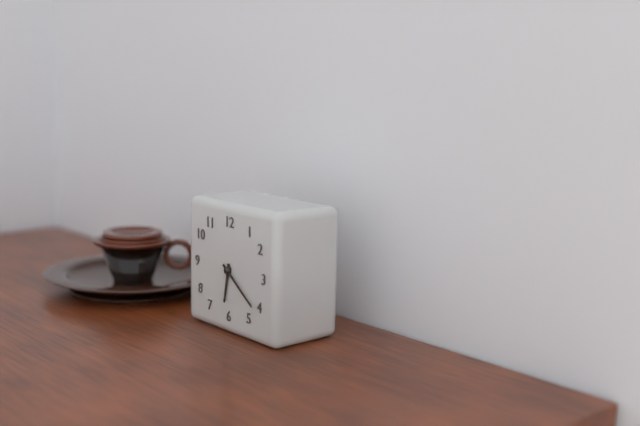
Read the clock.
6:21
